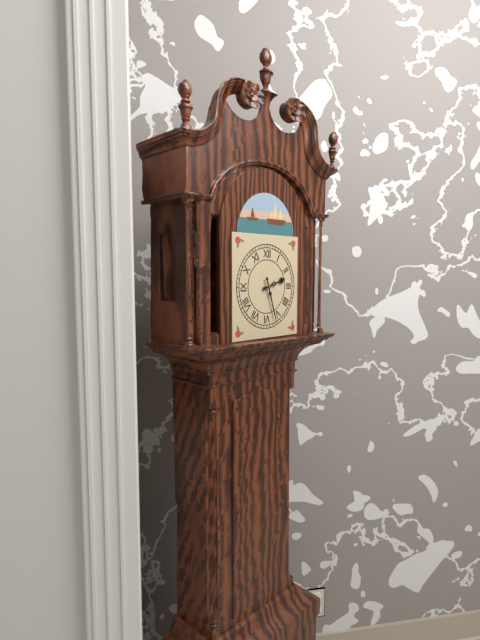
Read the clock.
2:27
